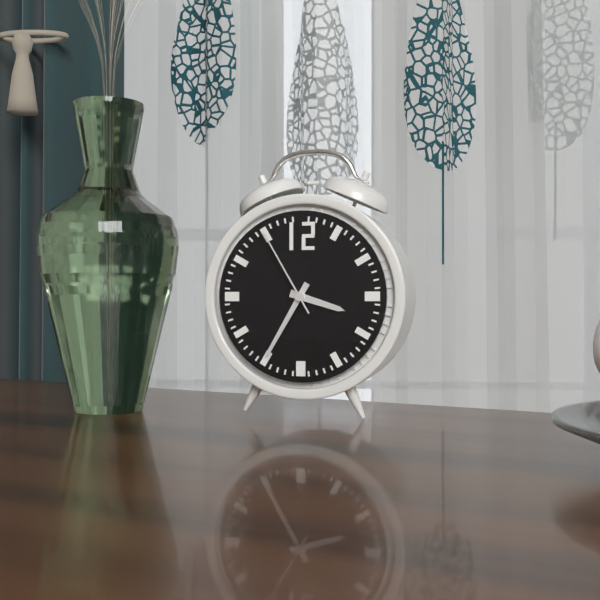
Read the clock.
3:35:55
